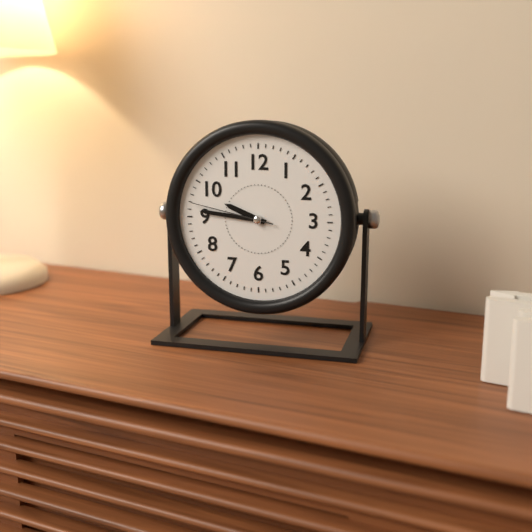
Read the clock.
9:46:47
